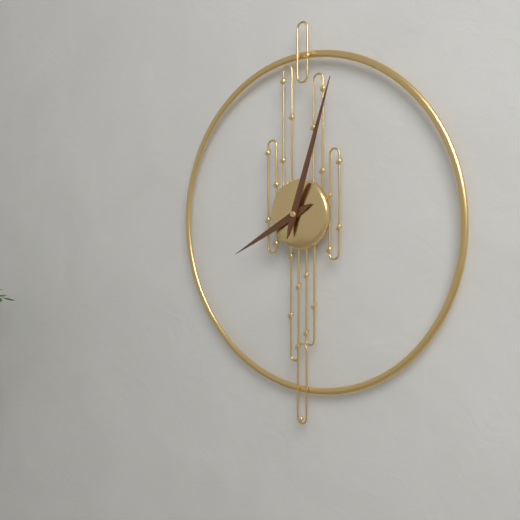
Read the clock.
8:03
